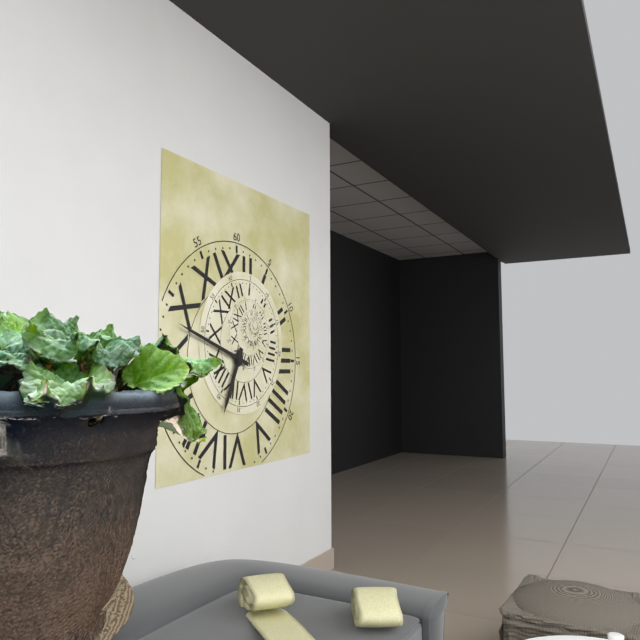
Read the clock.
6:48
